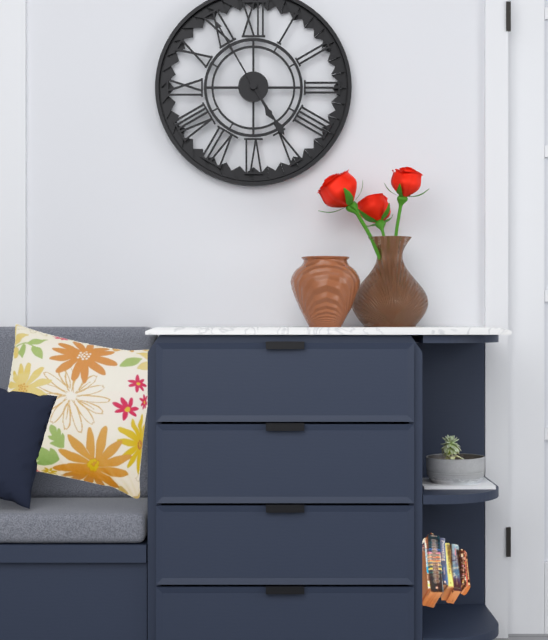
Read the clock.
4:55
